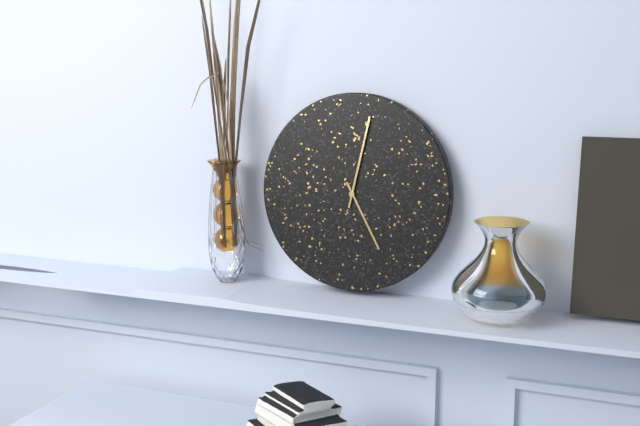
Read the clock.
5:02
